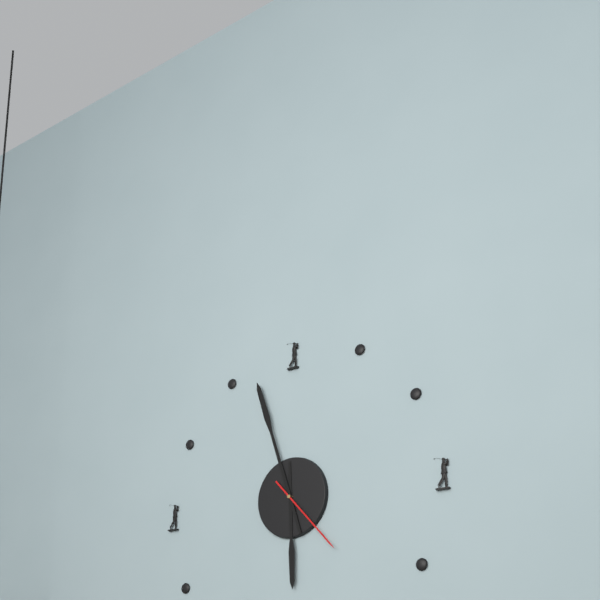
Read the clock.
5:57:23
